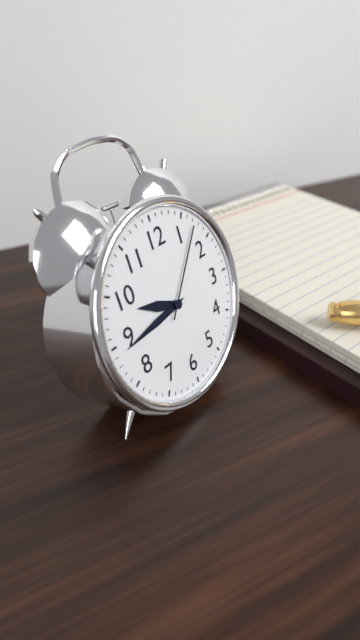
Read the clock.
9:44:07
